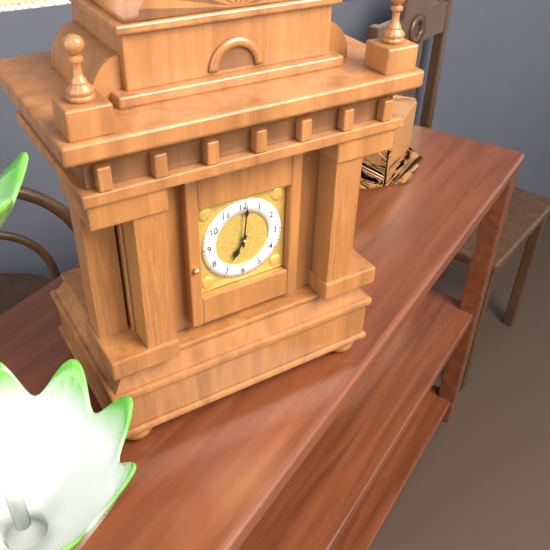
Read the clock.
7:01
